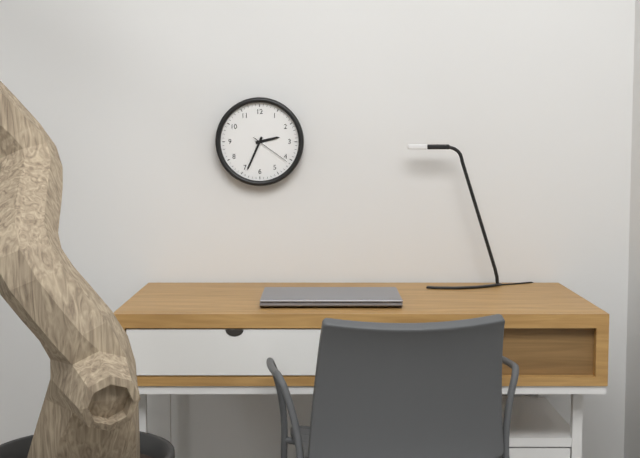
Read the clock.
2:34
